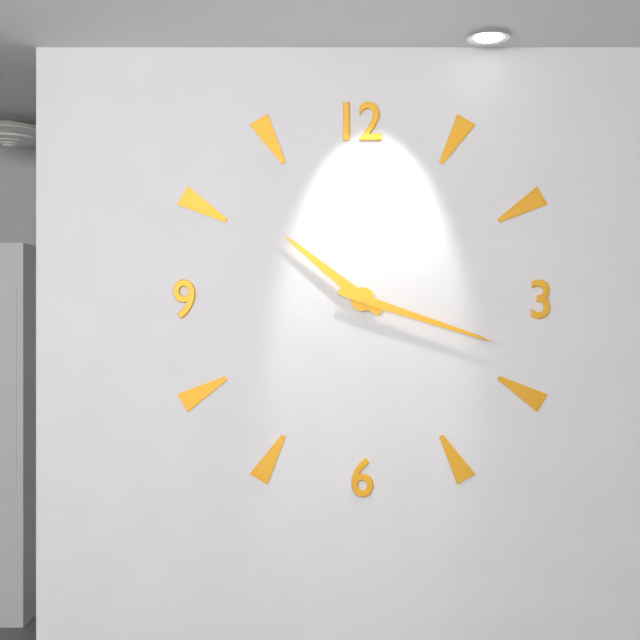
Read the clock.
10:18
